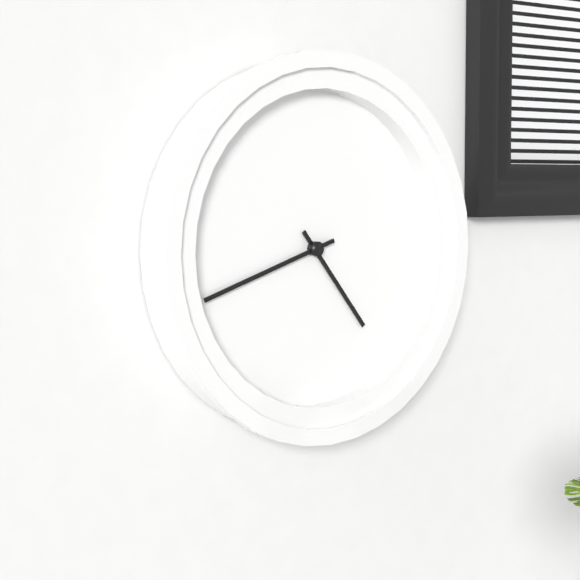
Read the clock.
4:42
